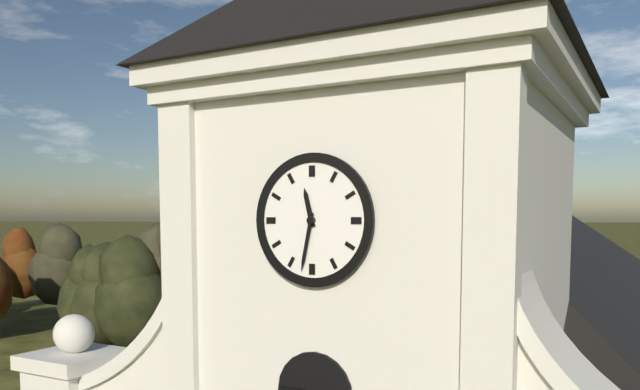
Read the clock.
11:32
